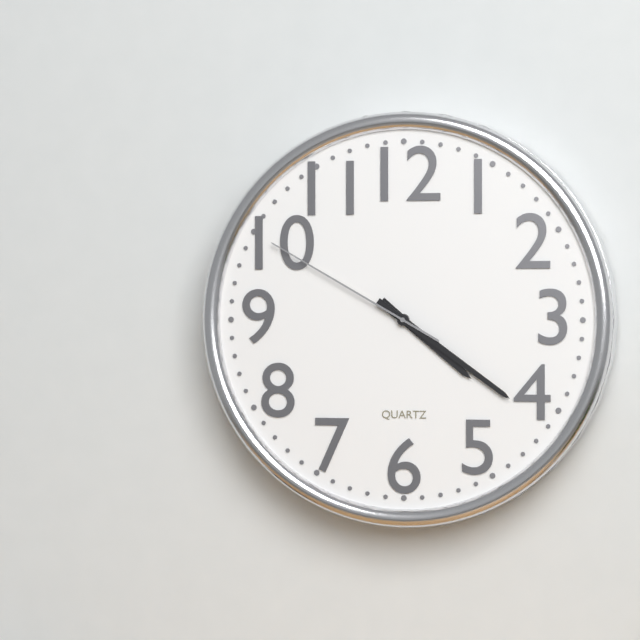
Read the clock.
4:21:50
